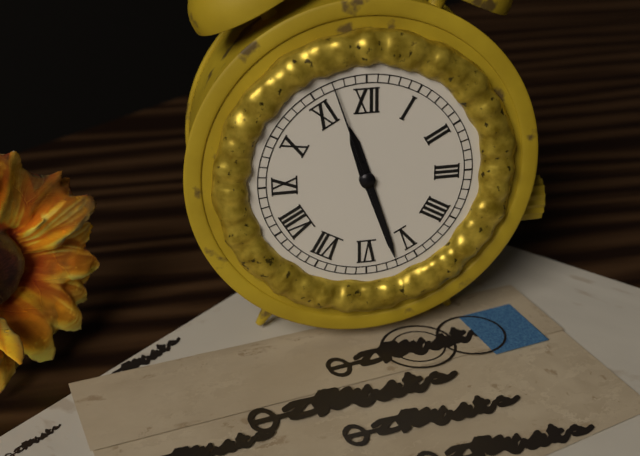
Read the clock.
11:27:57
